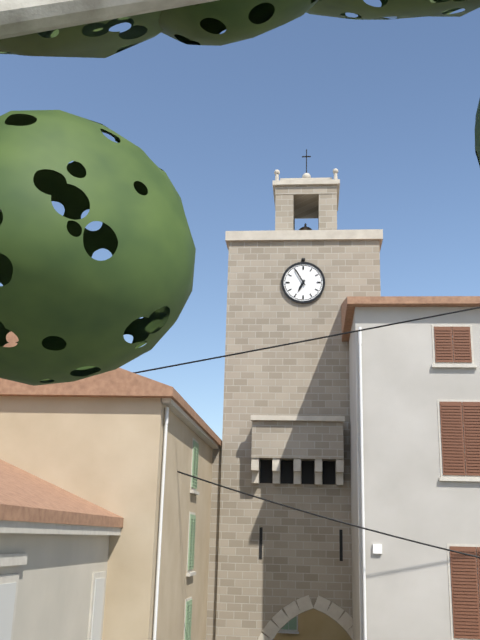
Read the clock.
6:55
